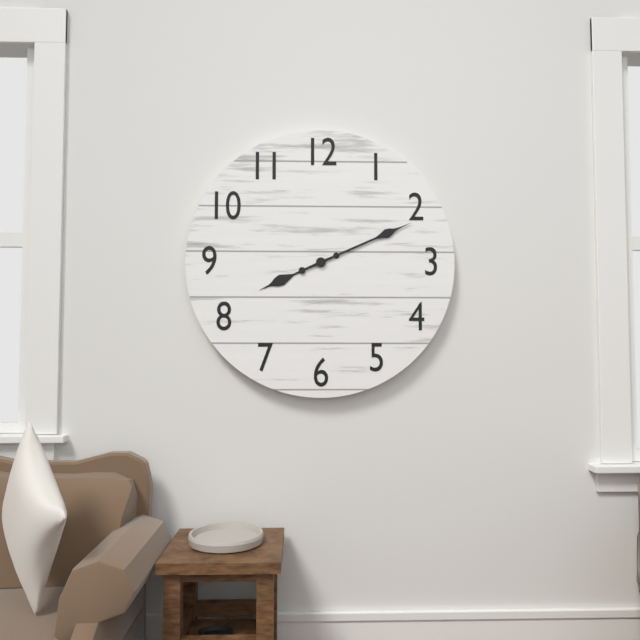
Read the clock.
8:11
